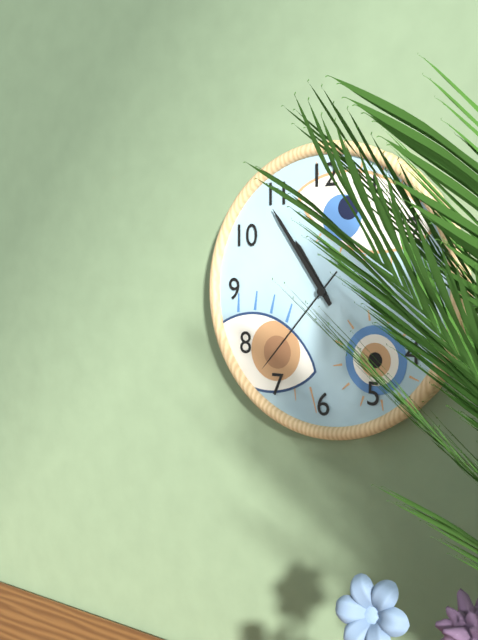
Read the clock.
10:54:37
